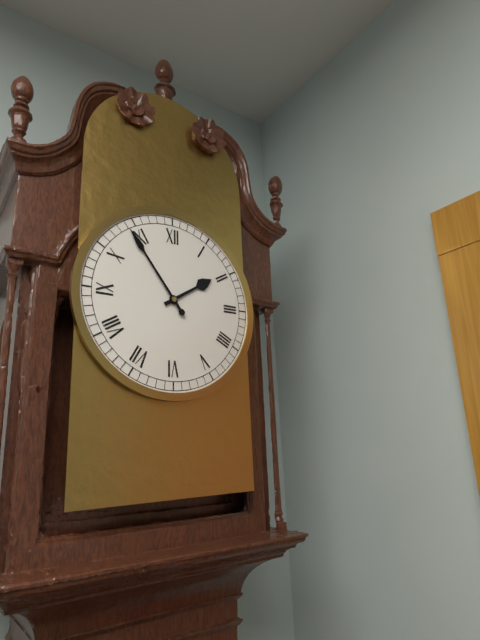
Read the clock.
1:54
